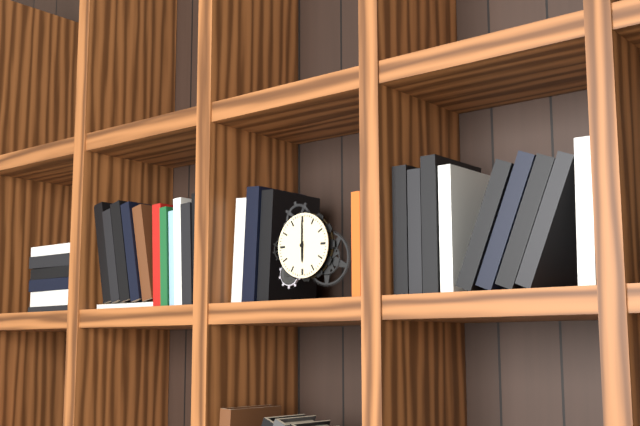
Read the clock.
6:00
